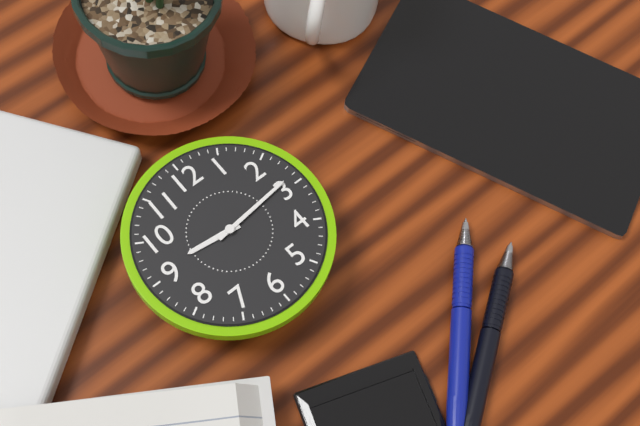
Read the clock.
9:14
